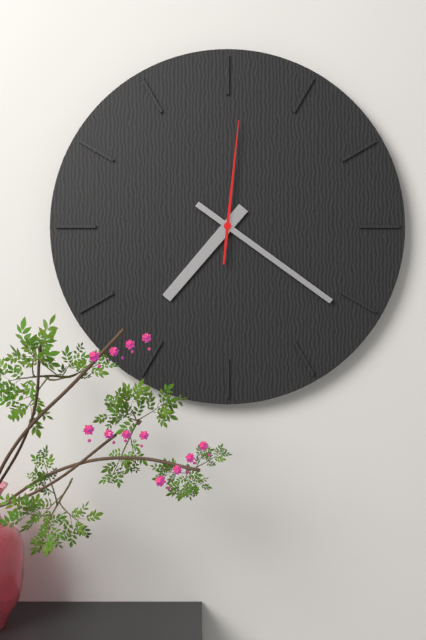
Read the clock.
7:21:01
